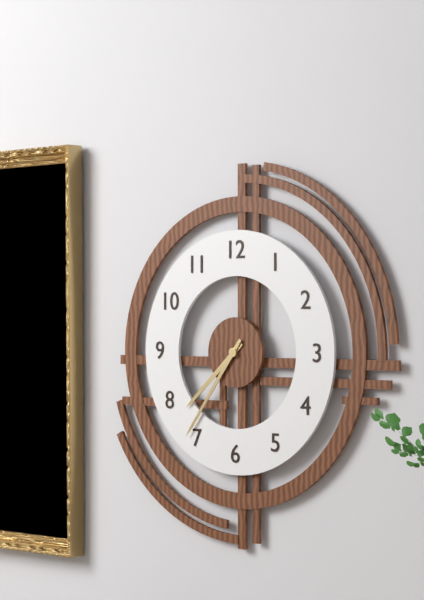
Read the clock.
7:36
